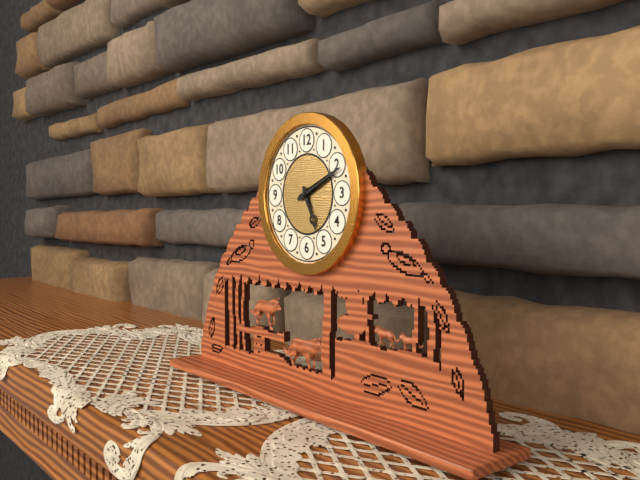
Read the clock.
5:11
